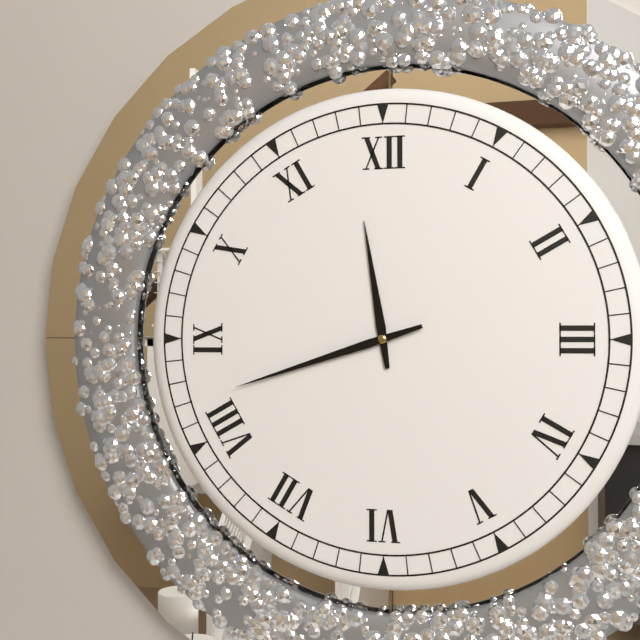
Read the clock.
11:42
